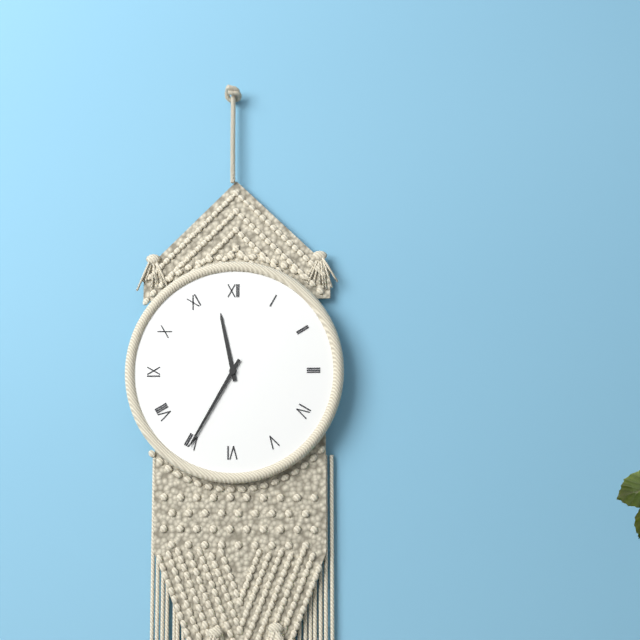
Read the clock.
11:35
